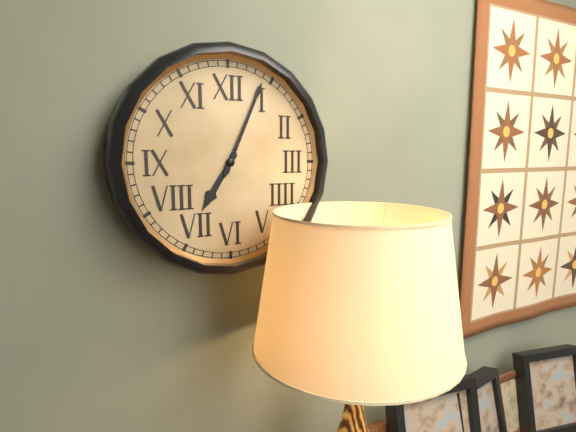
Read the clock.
7:04
